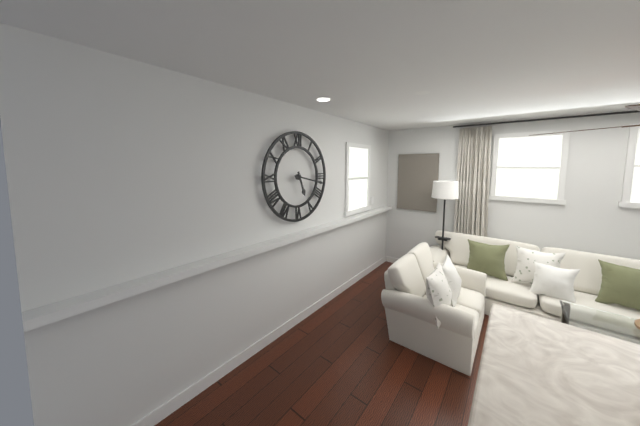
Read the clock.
5:17
